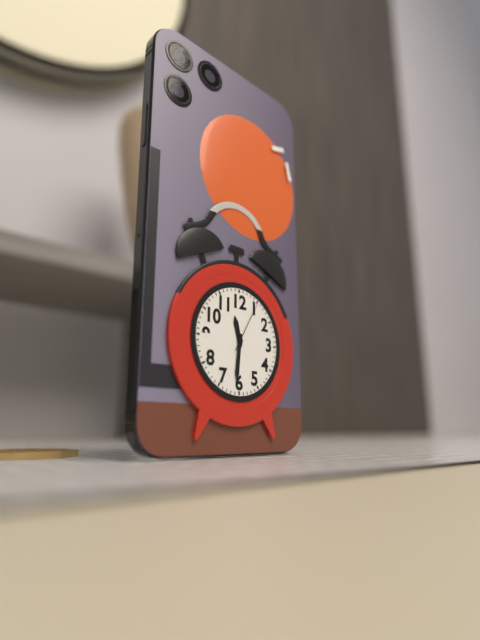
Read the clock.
11:31
